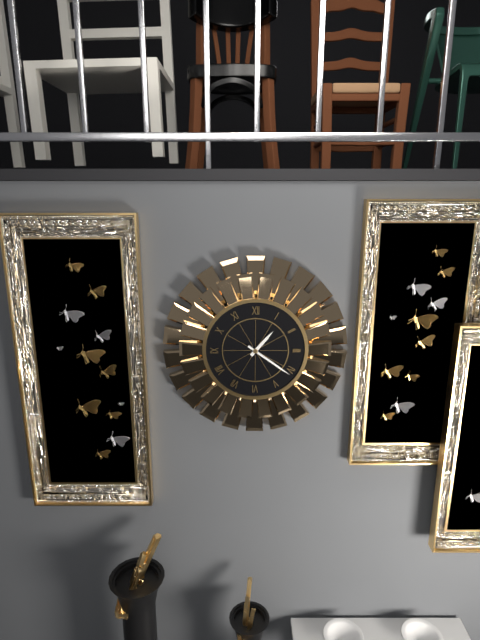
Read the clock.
1:21
